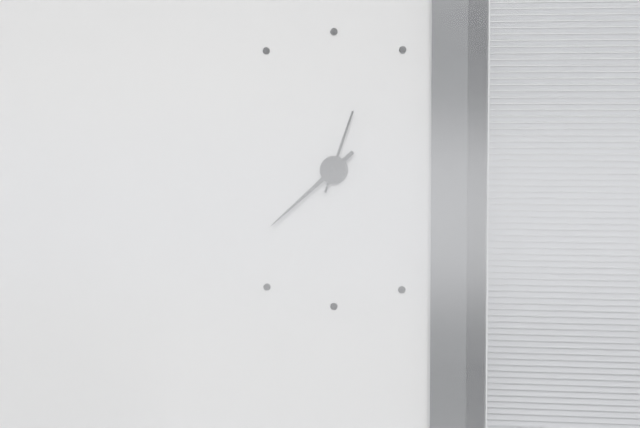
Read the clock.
12:38
